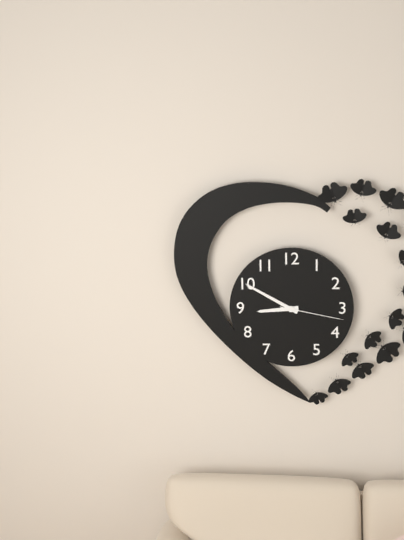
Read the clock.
8:50:17
